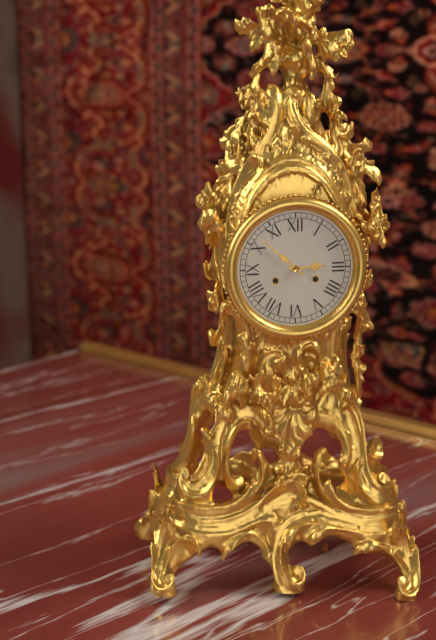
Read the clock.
2:52
